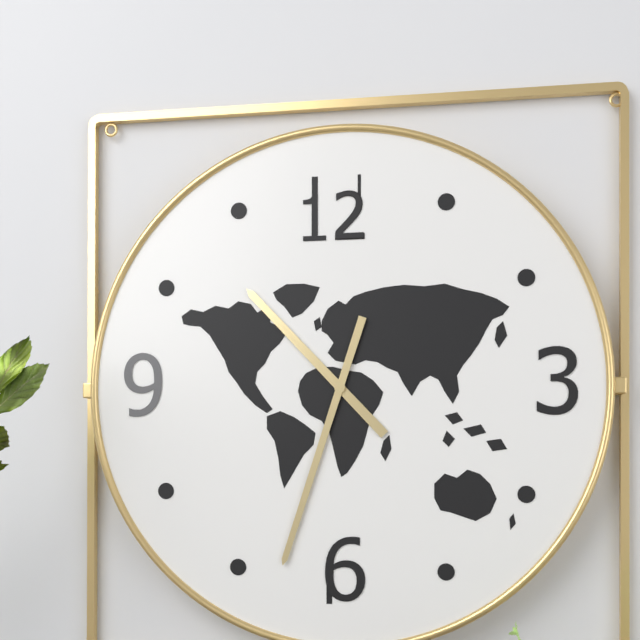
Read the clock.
10:33
